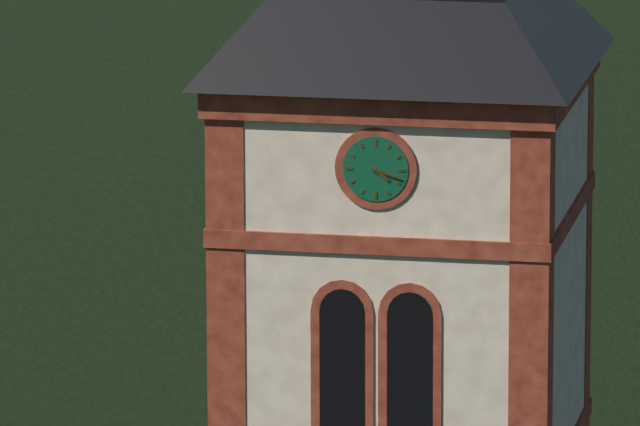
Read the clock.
4:18
